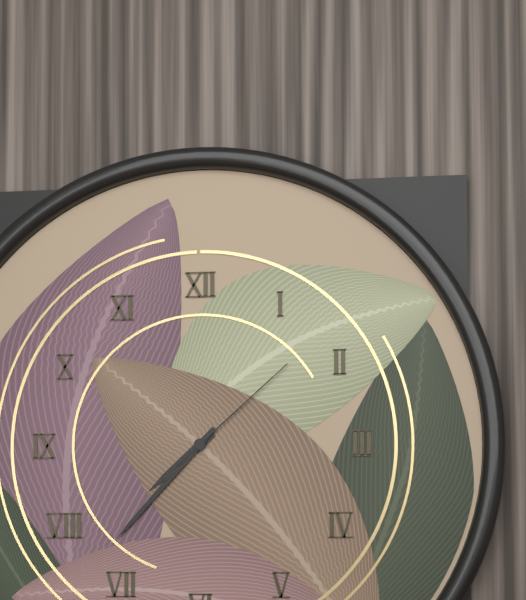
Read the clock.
7:37:08
